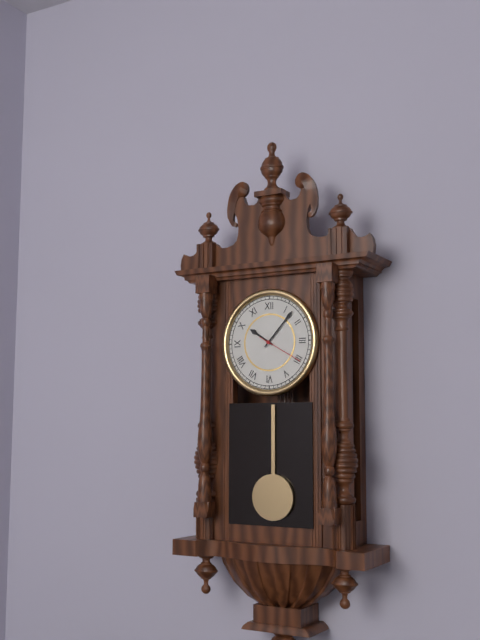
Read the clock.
10:07
